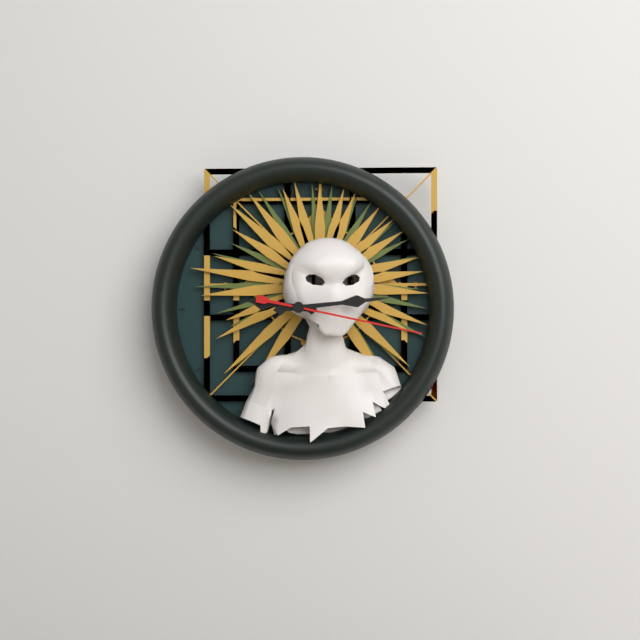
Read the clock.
9:14:17
